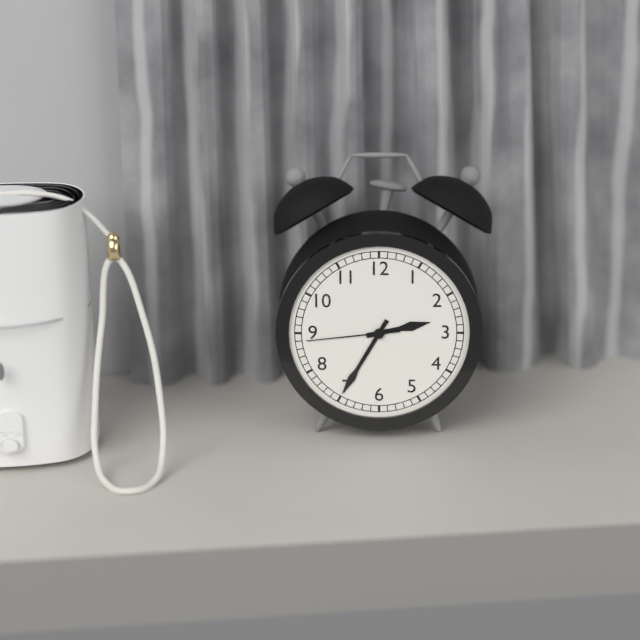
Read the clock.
2:35:44
